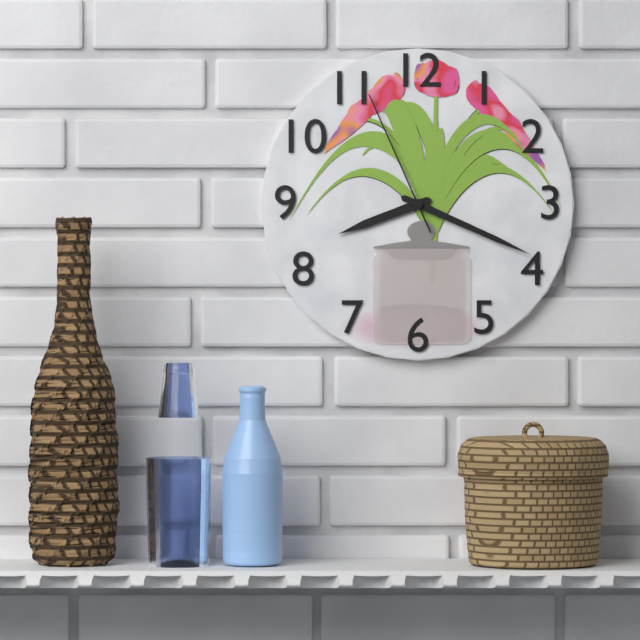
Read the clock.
8:19:56
